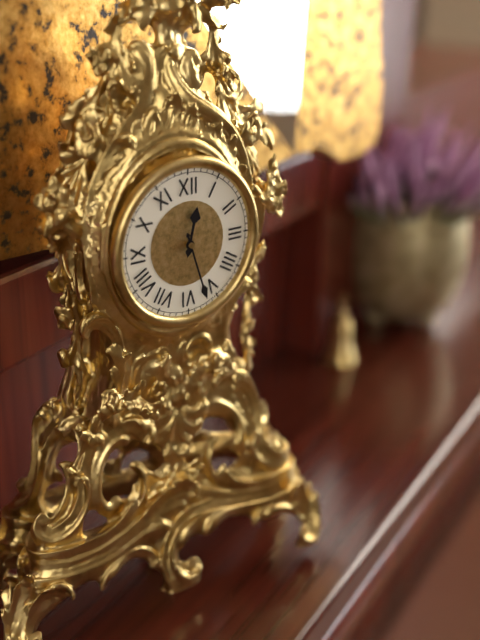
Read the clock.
12:27
